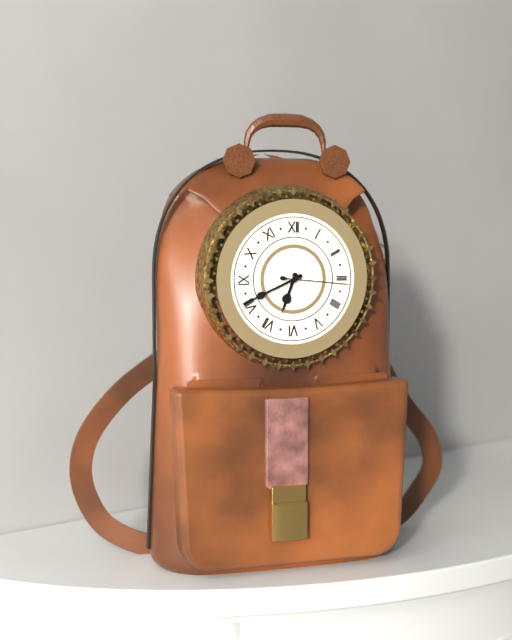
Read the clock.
6:41:16
